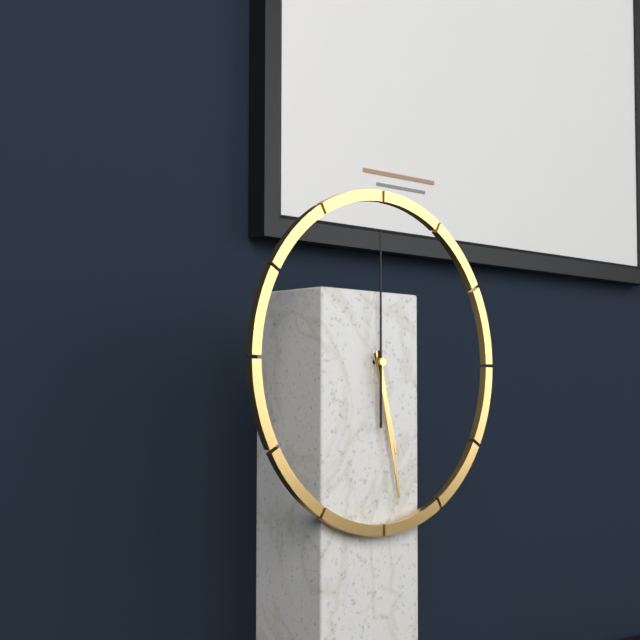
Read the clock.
5:28:00
